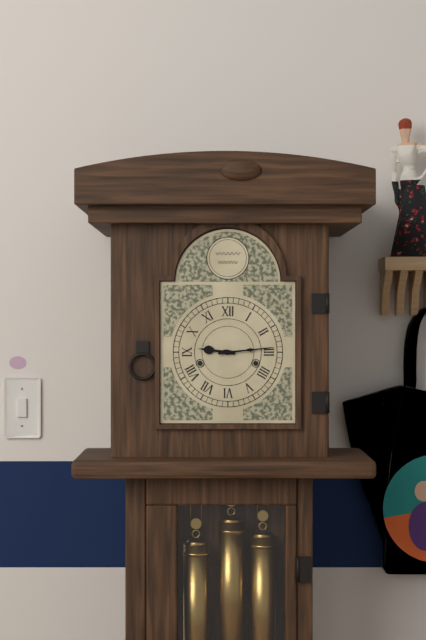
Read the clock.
9:14
